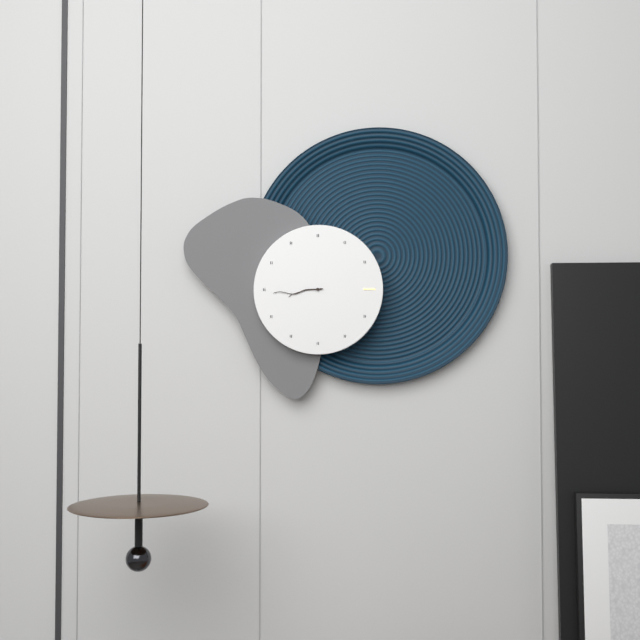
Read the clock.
8:44
